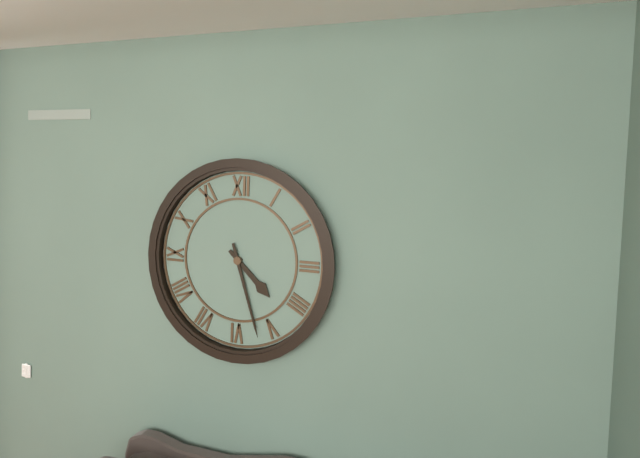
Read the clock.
4:27
